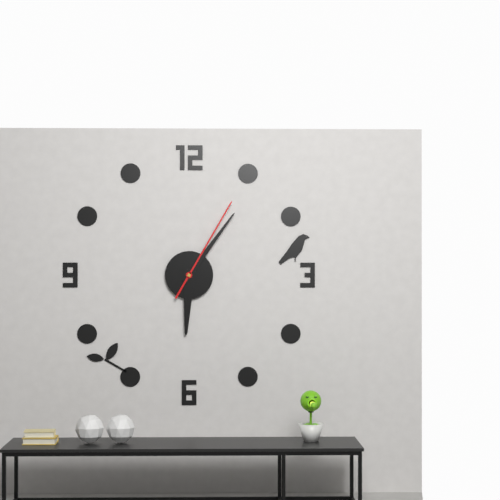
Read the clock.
6:06:05
